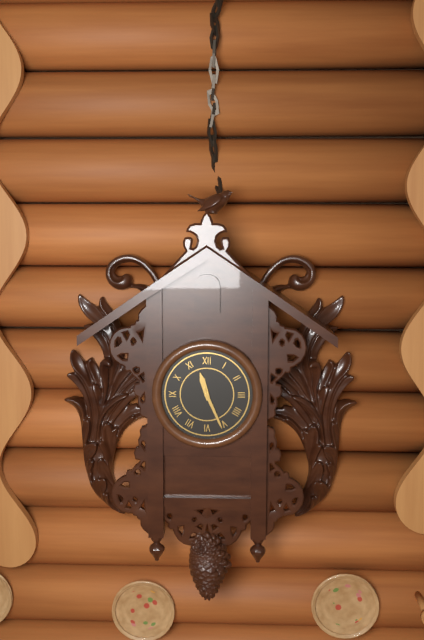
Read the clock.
11:26
